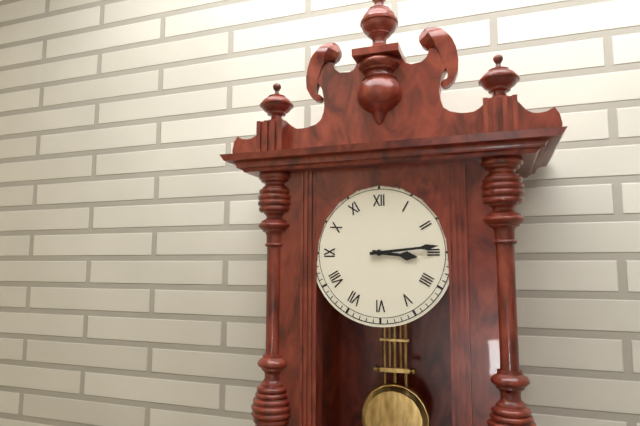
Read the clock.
3:14
